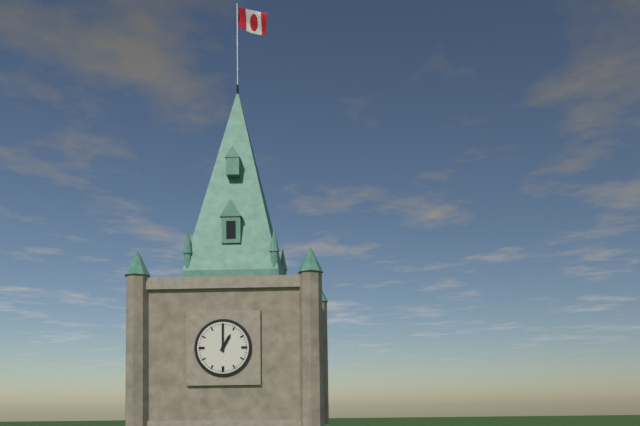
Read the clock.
1:00
